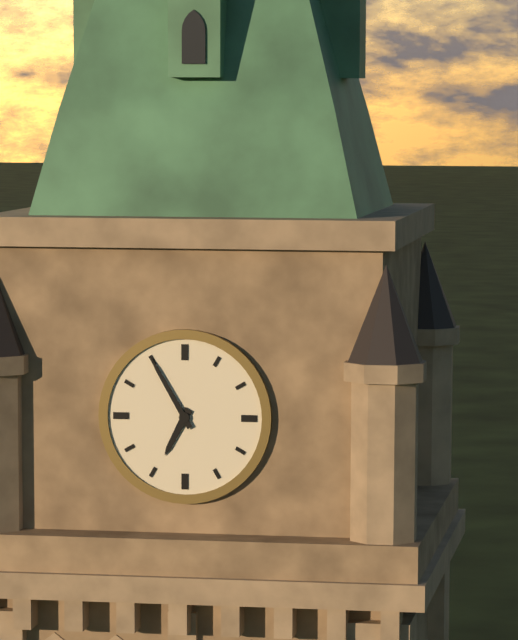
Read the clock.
6:55
